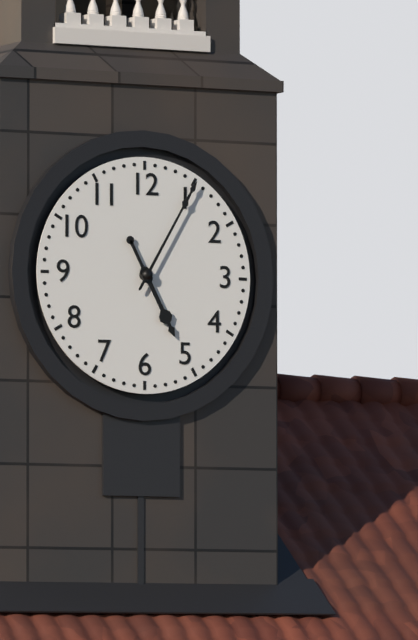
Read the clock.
5:05
